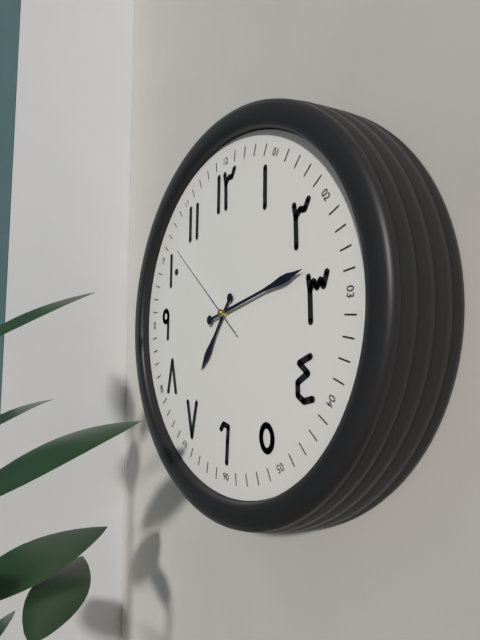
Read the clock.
7:13:52
